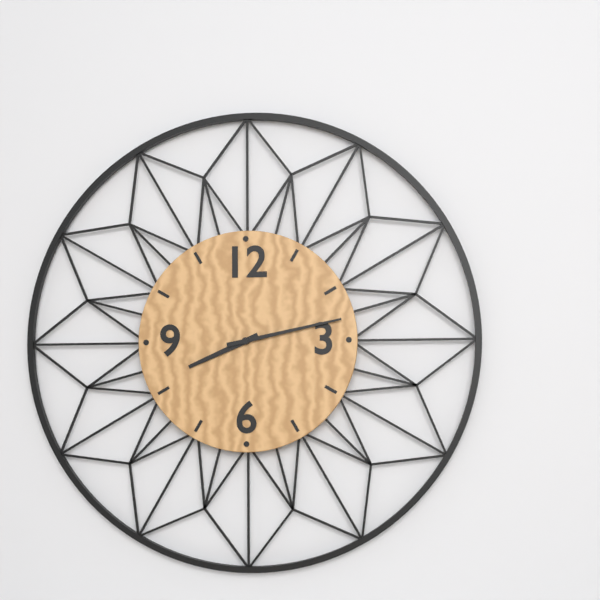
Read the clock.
8:13
